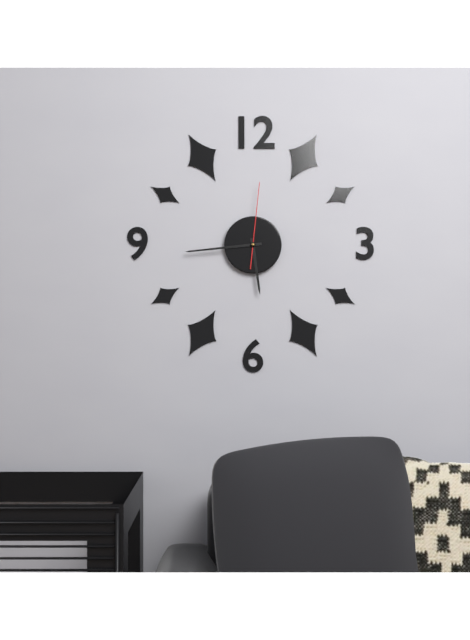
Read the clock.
5:44:01
